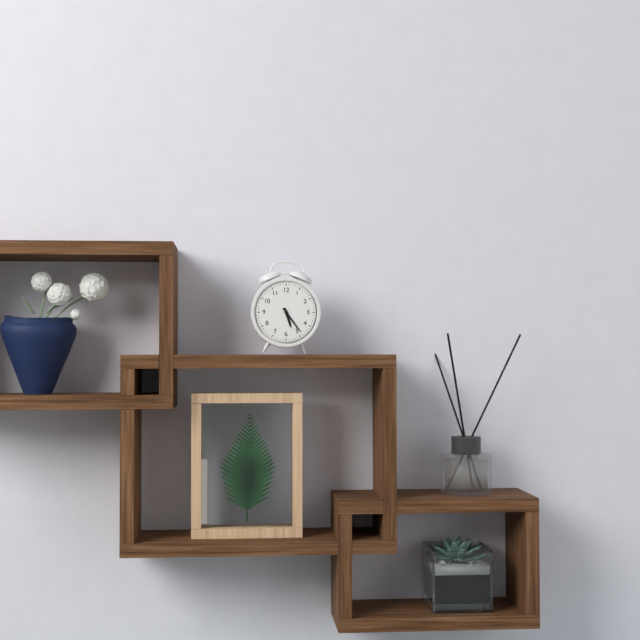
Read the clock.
5:24
